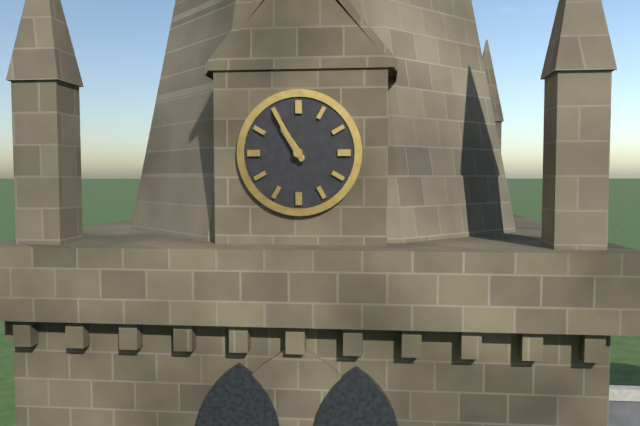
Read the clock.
10:55
